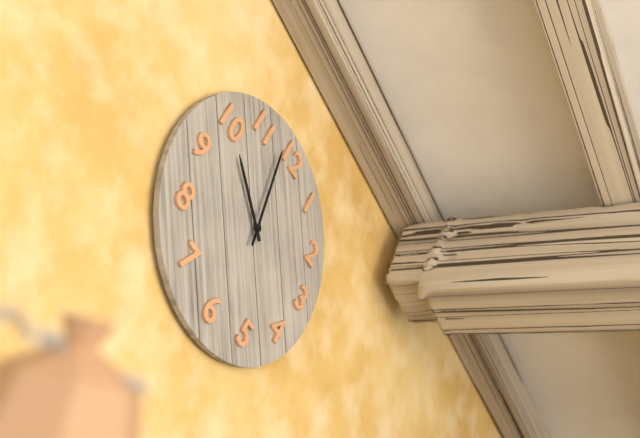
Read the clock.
9:58
